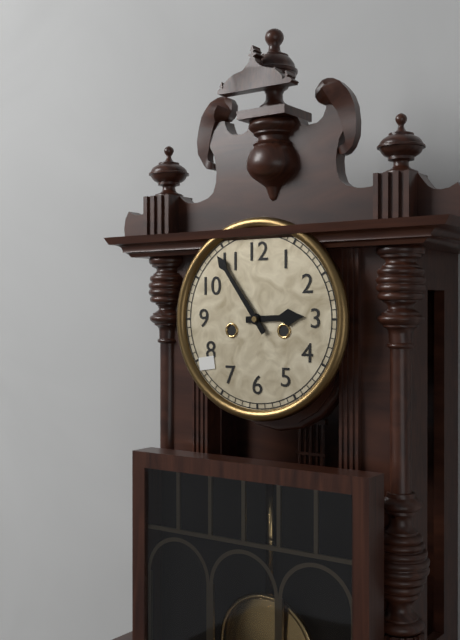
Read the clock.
2:54
